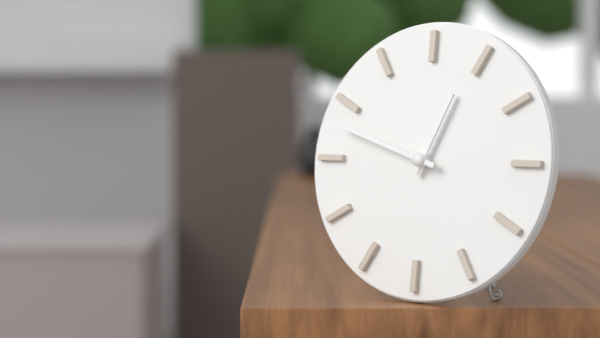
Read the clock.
12:48
